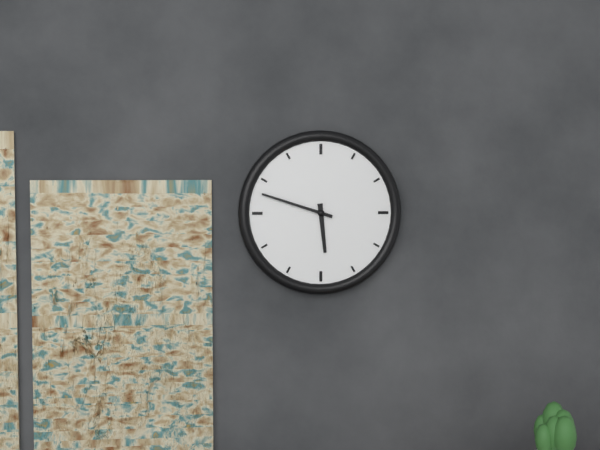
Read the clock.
5:48
